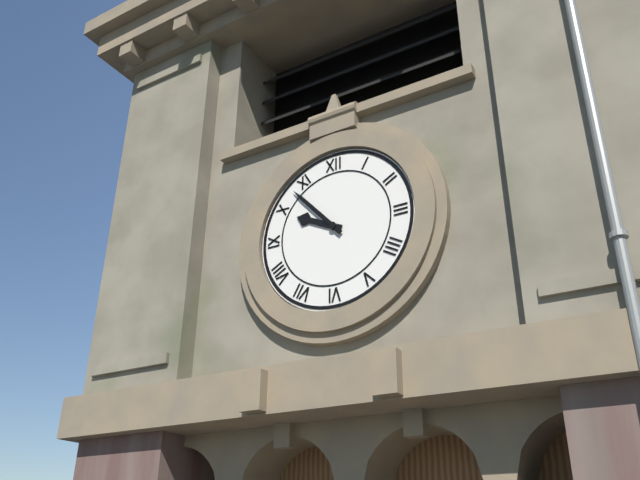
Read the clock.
9:53
